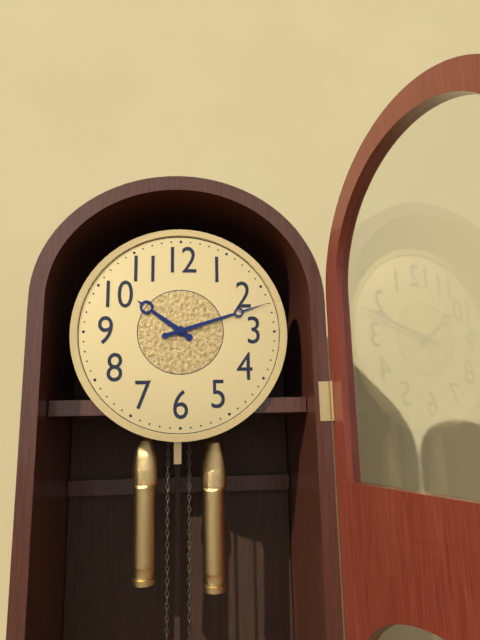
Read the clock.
10:12
